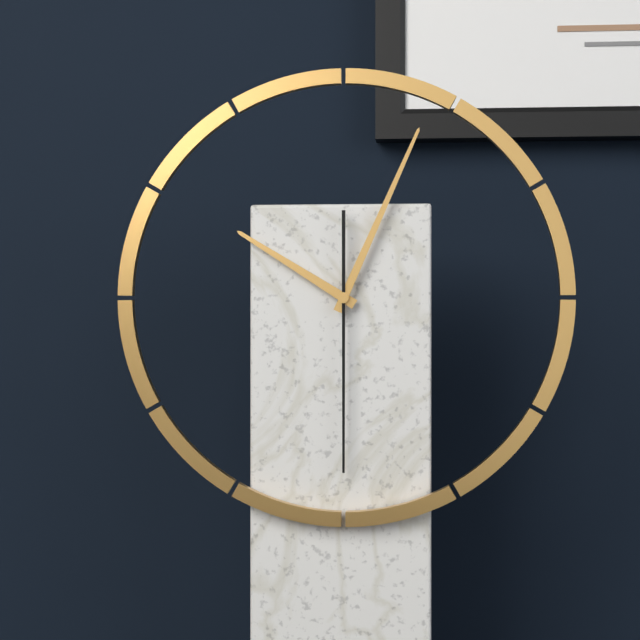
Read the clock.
10:04:30
